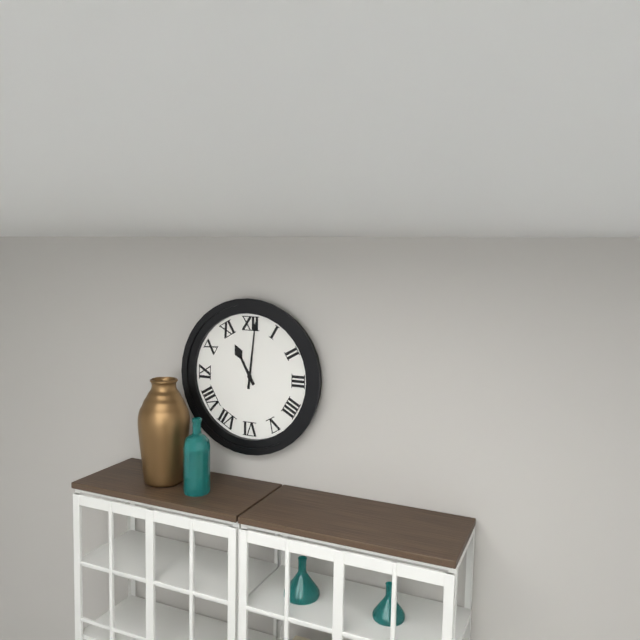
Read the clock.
11:01
